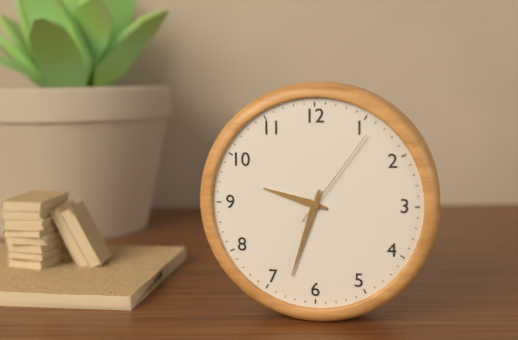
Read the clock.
9:33:06
